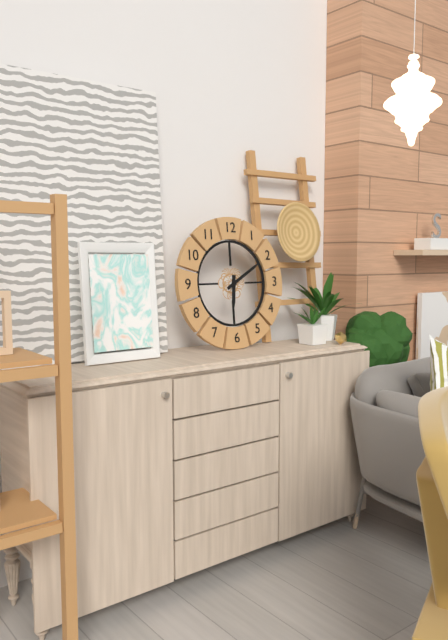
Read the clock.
6:10
